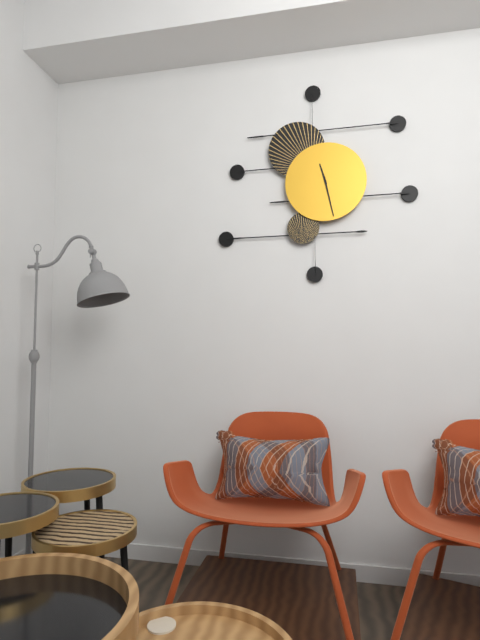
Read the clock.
11:28
